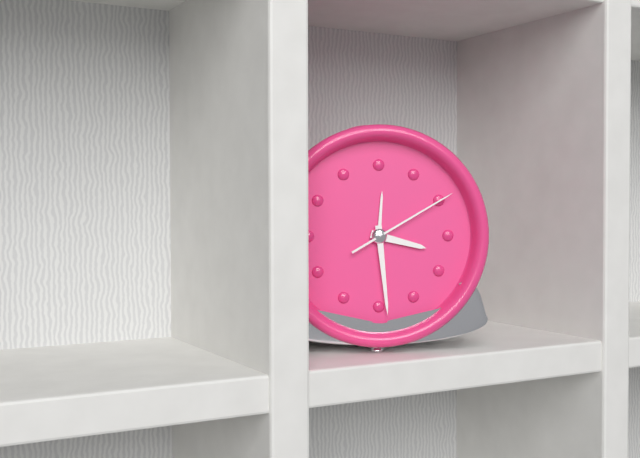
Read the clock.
3:29:10
